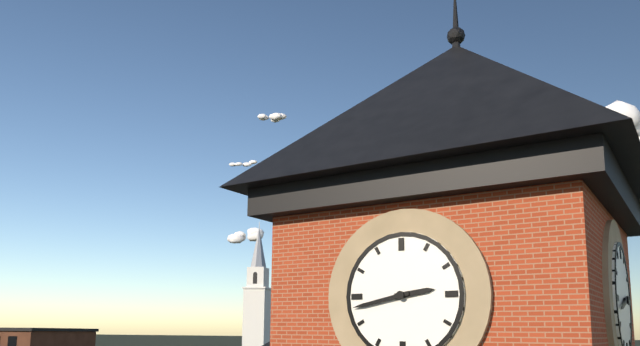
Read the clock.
2:43
